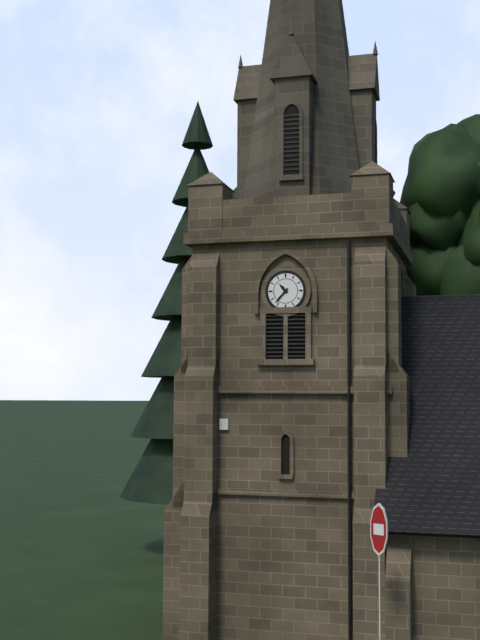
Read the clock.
10:37
